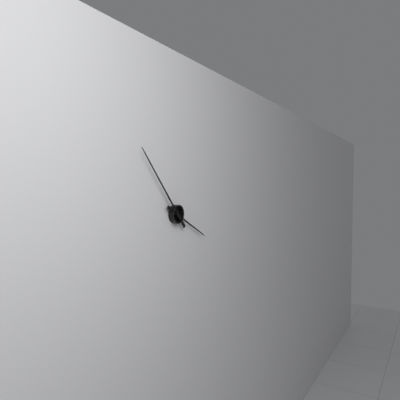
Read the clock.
3:53
